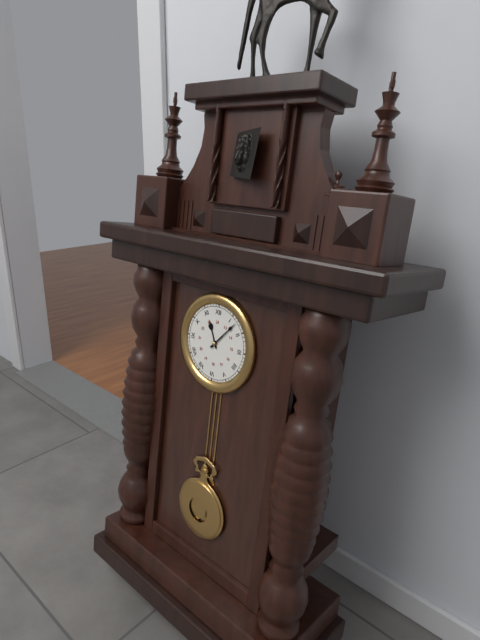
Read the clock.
11:07
